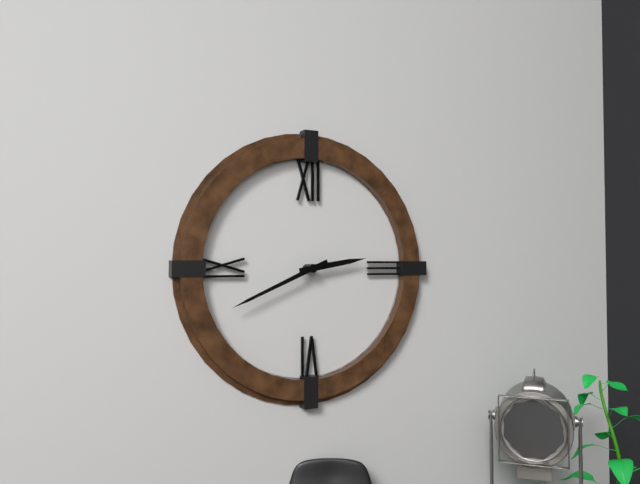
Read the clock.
2:41
